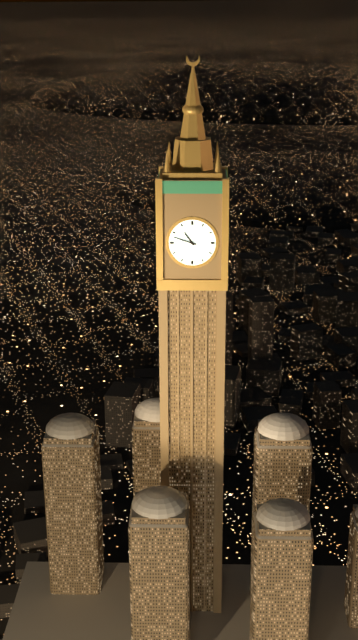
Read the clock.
10:48
